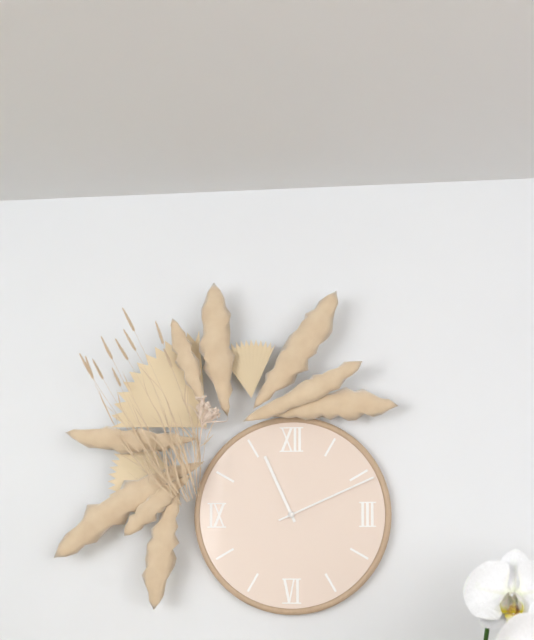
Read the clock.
11:11
